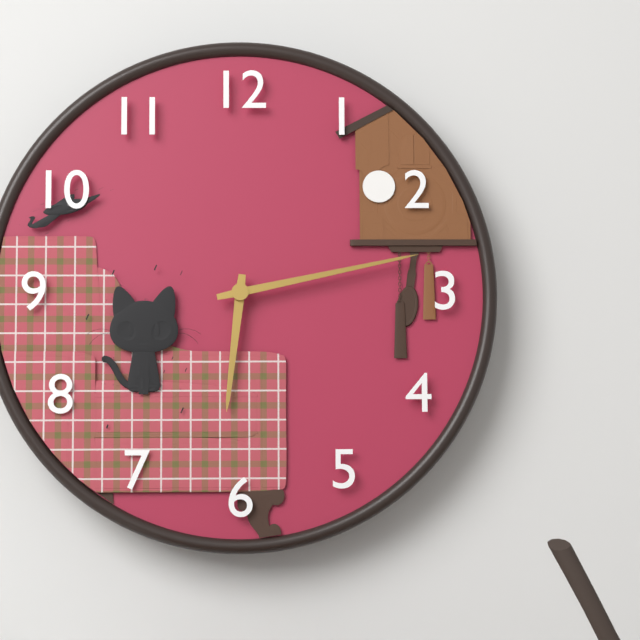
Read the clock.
6:13
